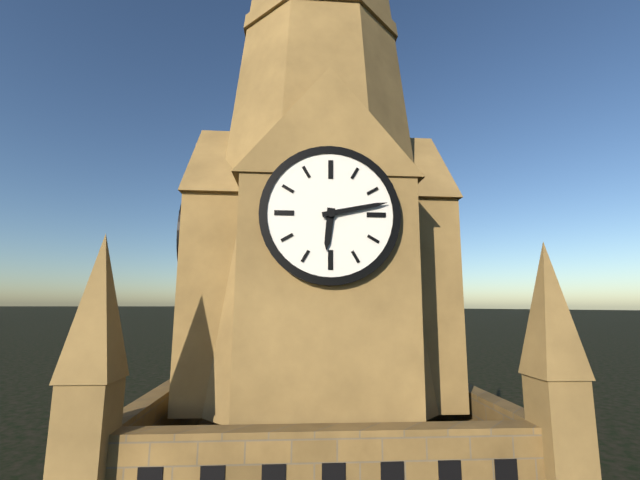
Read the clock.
6:13
